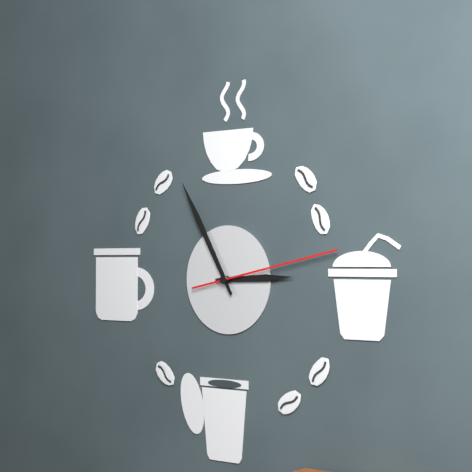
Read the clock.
2:55:13
